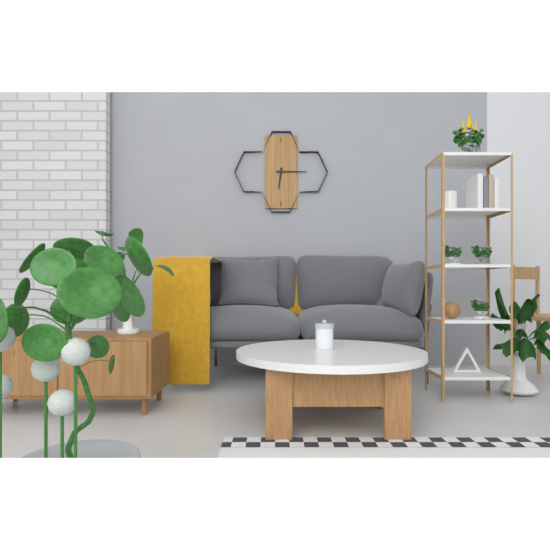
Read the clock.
6:15
